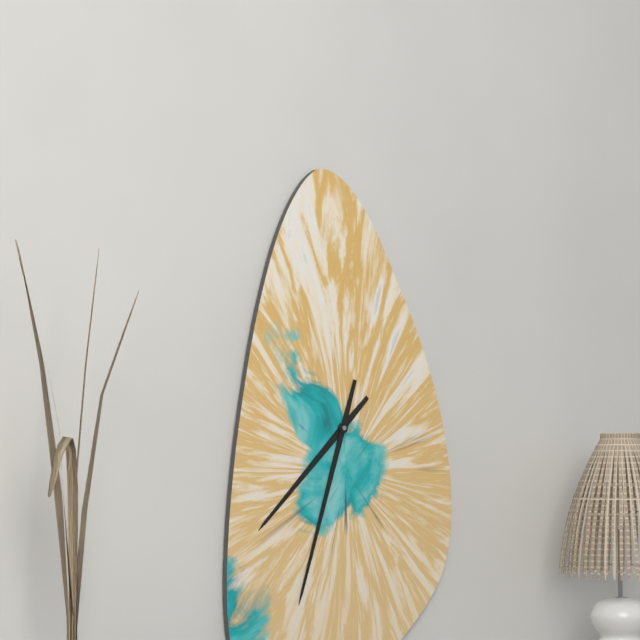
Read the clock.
7:33
